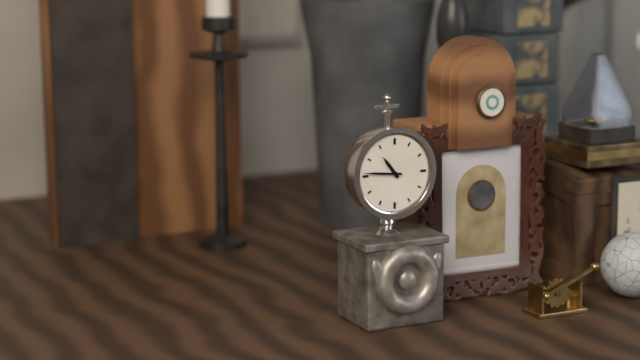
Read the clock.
10:46
